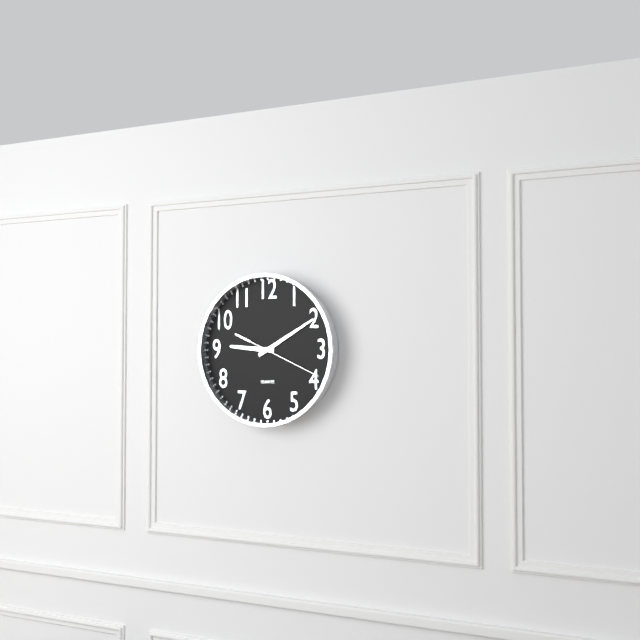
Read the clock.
9:10:19
